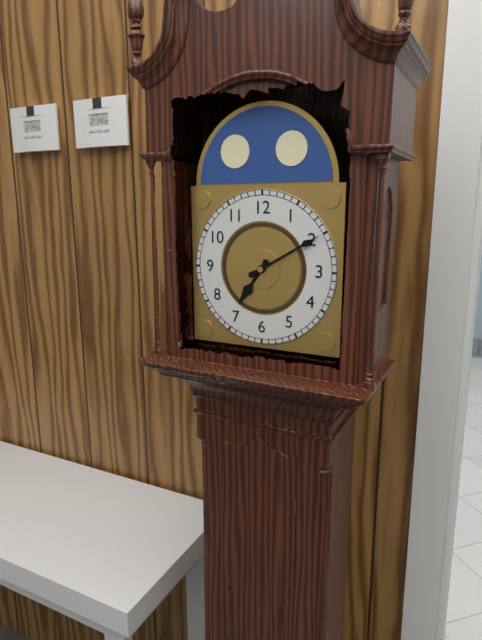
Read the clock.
7:10
